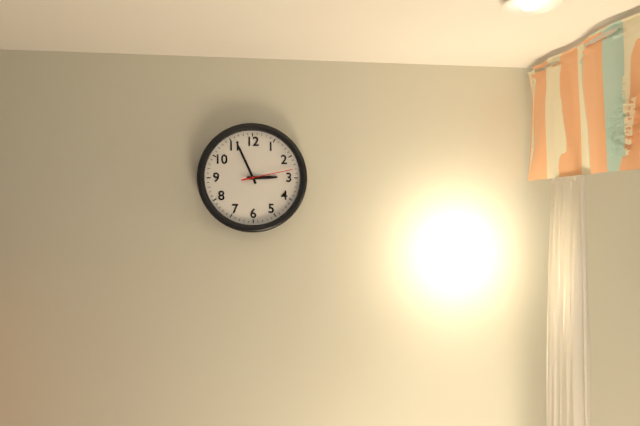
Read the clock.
2:56:13
